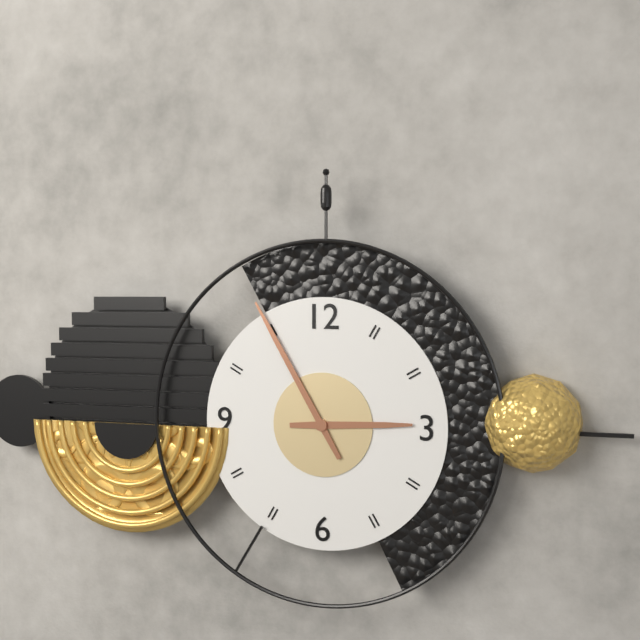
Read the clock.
2:55
